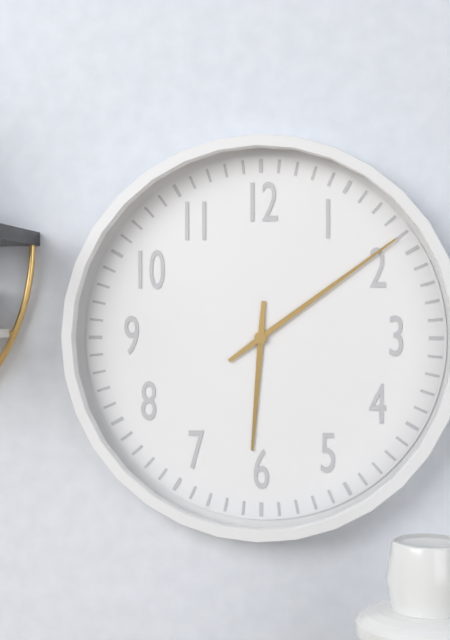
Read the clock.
6:09
